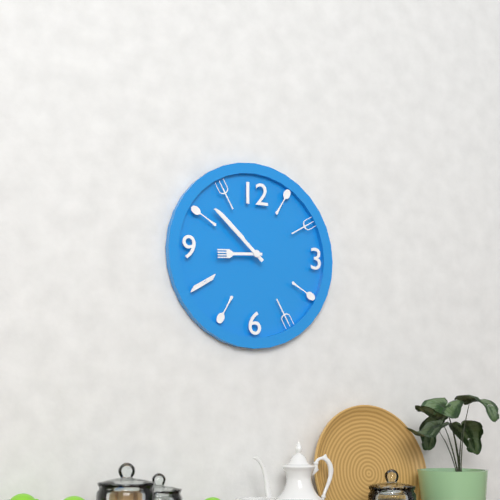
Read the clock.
8:52
